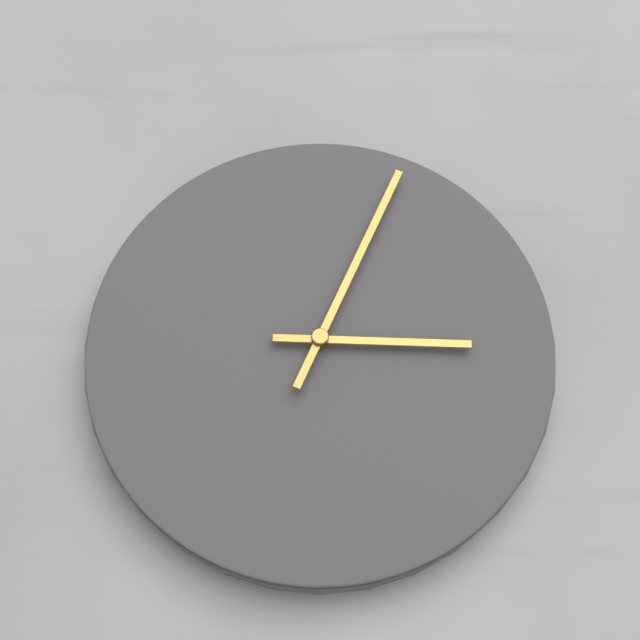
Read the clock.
3:04
